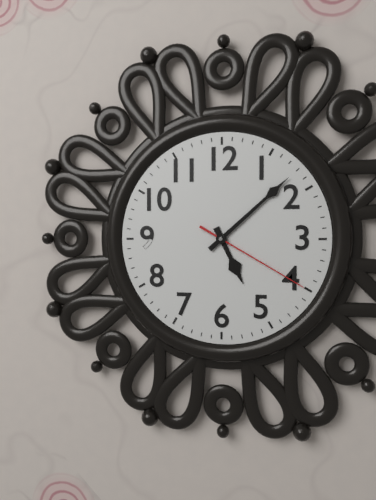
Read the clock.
5:08:20
